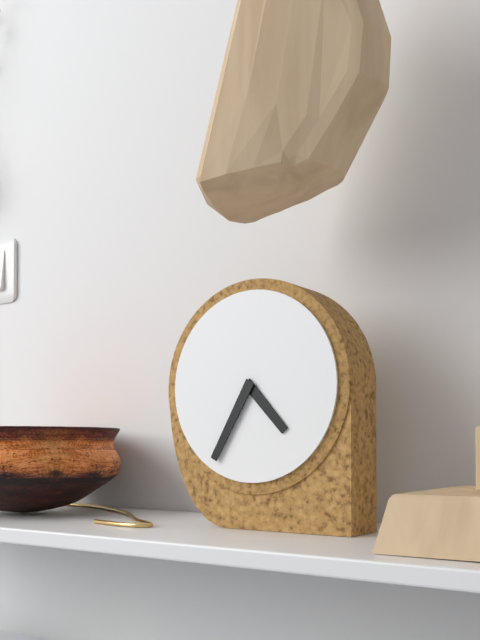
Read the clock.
4:35
